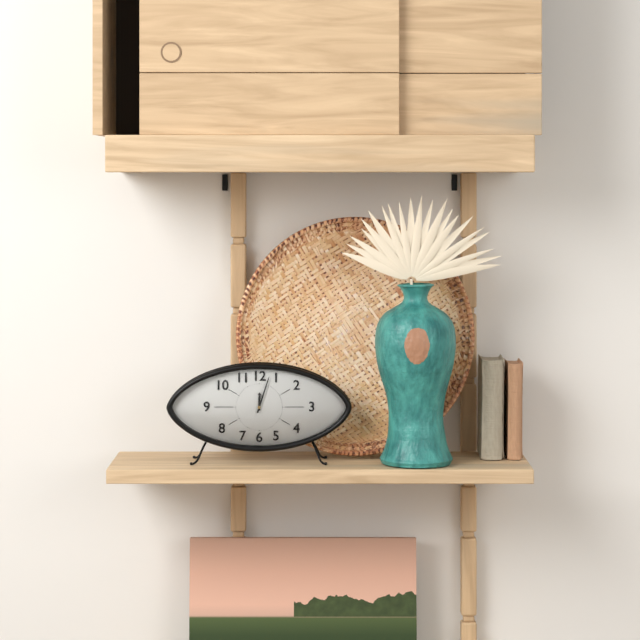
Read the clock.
12:03
